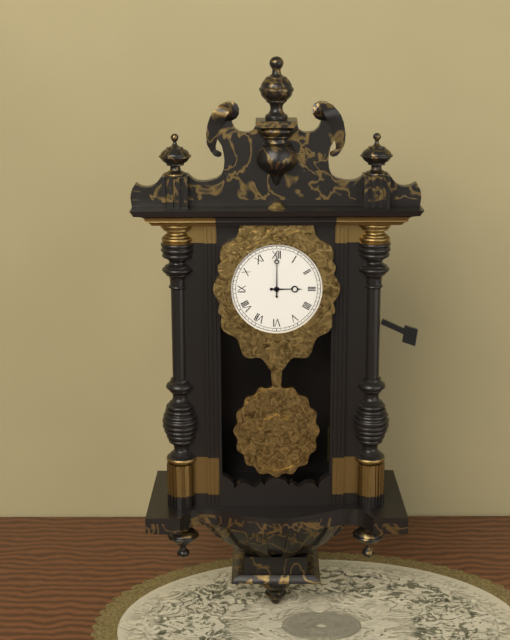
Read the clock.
3:00
